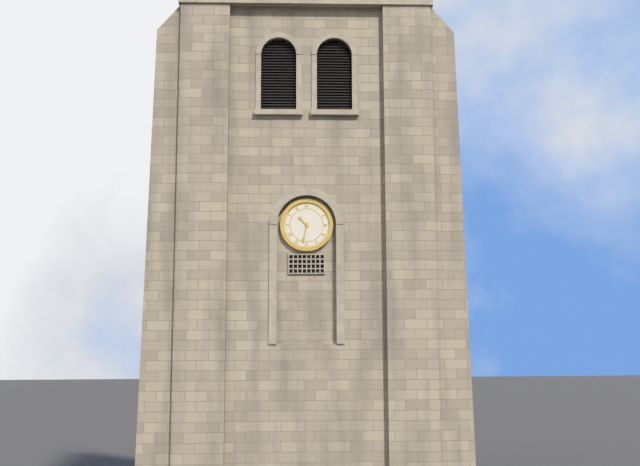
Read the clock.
10:32
